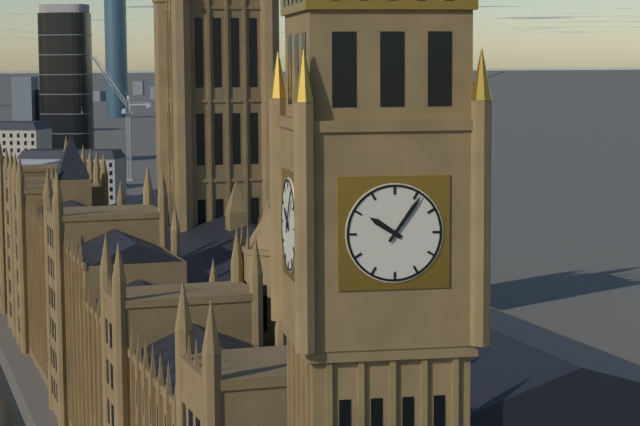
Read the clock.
10:06
